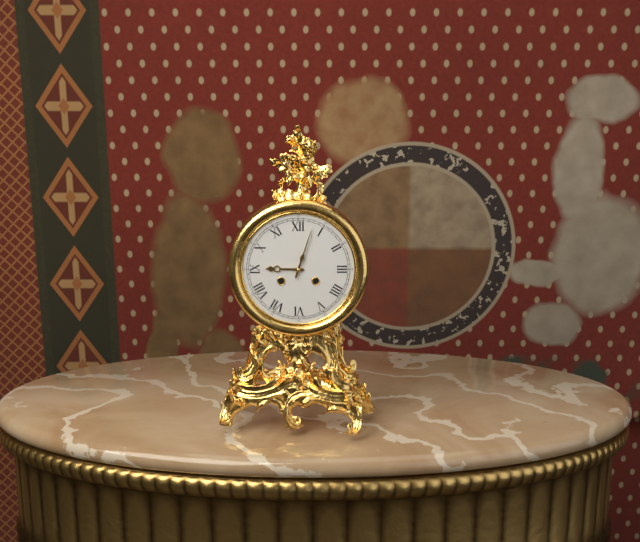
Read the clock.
9:03
